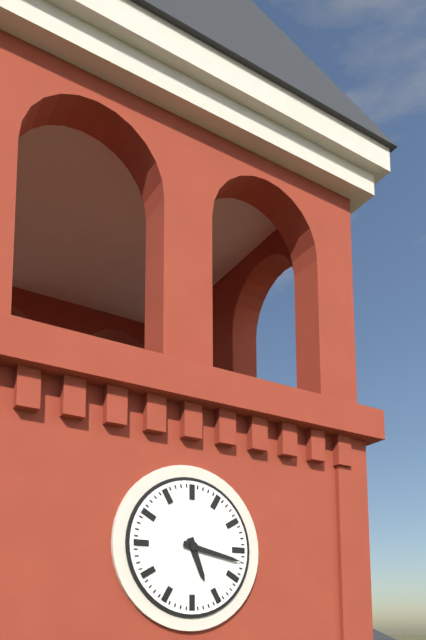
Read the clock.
5:17
